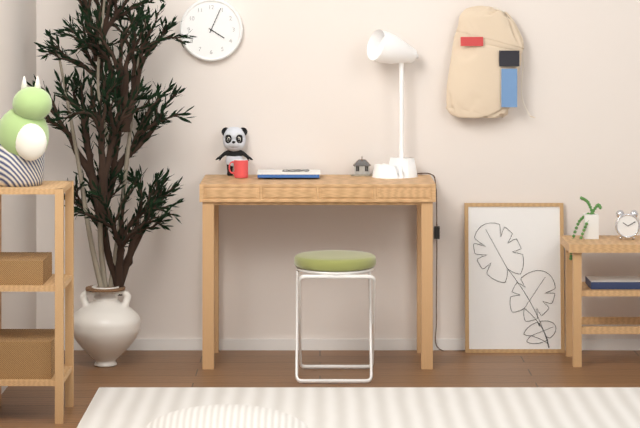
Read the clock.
4:04
